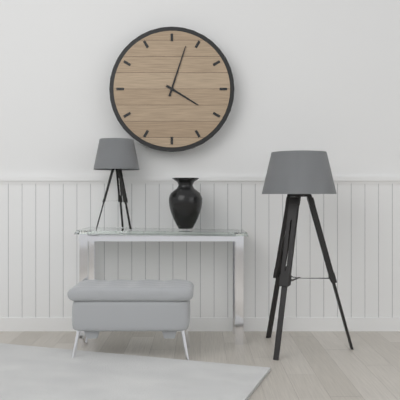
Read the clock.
4:03
